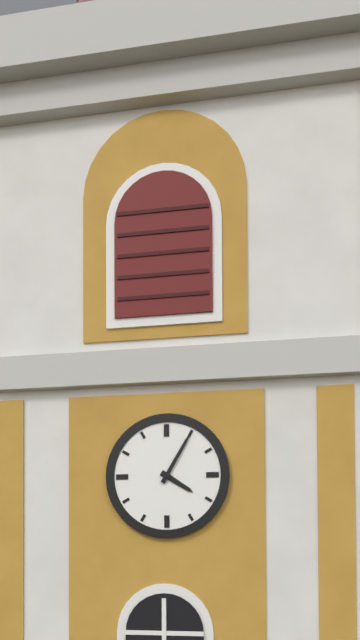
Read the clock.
4:05
